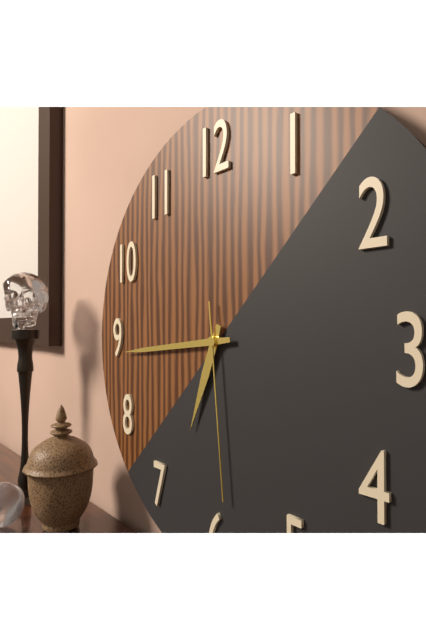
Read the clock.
6:44:29
